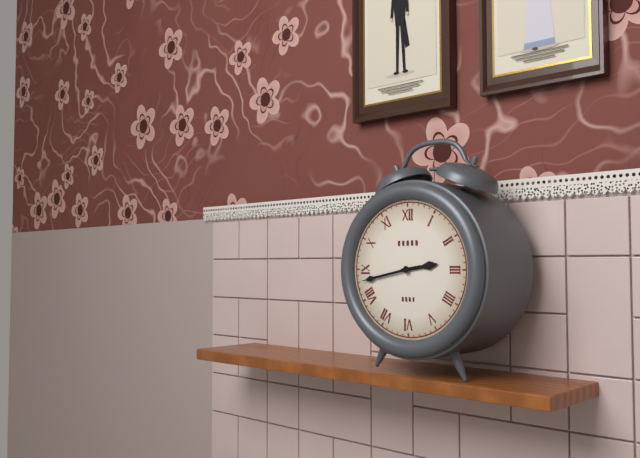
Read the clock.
2:43
